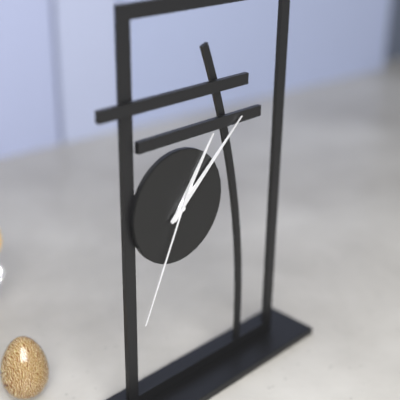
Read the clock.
1:08:34
